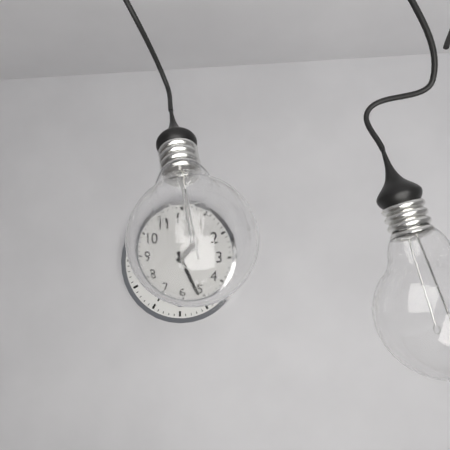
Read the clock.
1:26
